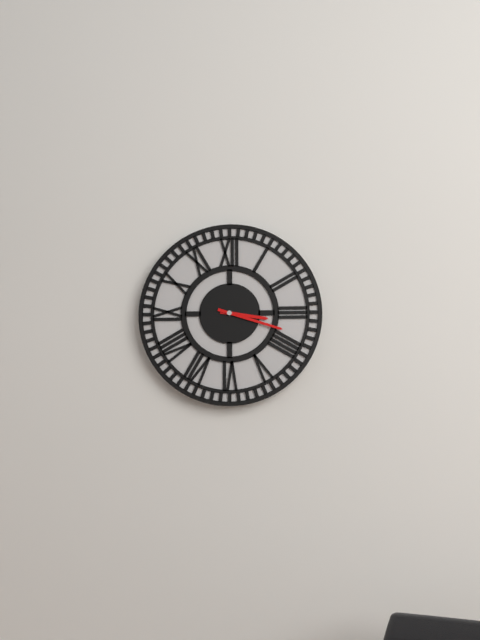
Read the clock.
3:18
